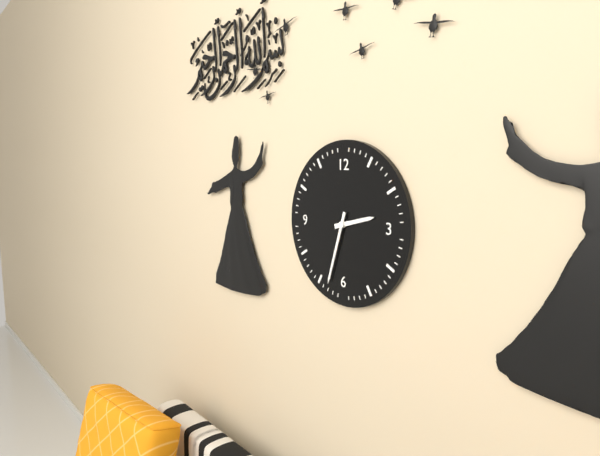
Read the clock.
2:33
